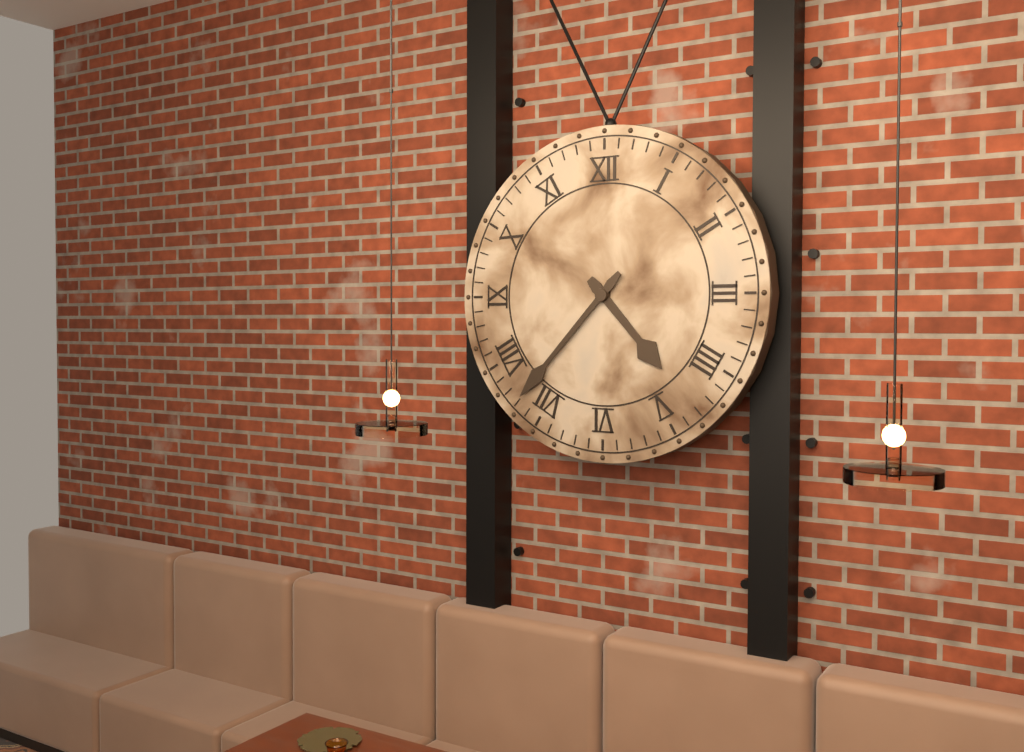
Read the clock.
4:37
